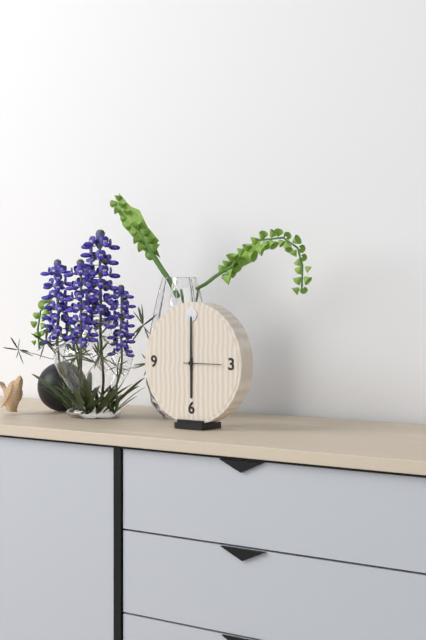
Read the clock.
6:00
